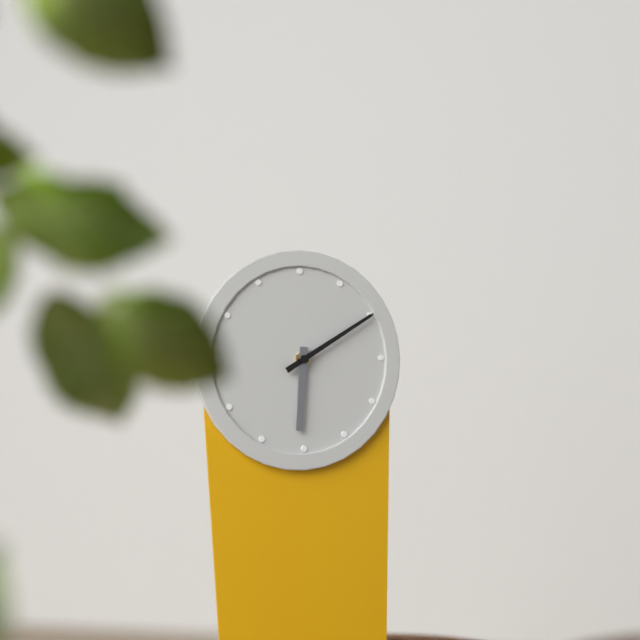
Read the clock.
6:10
